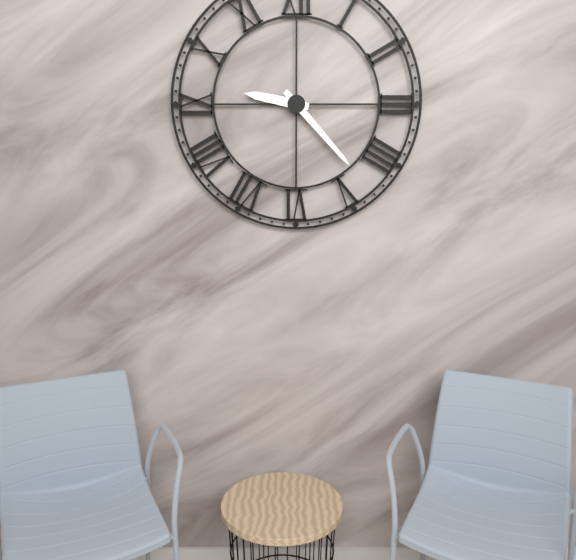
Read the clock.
9:23
